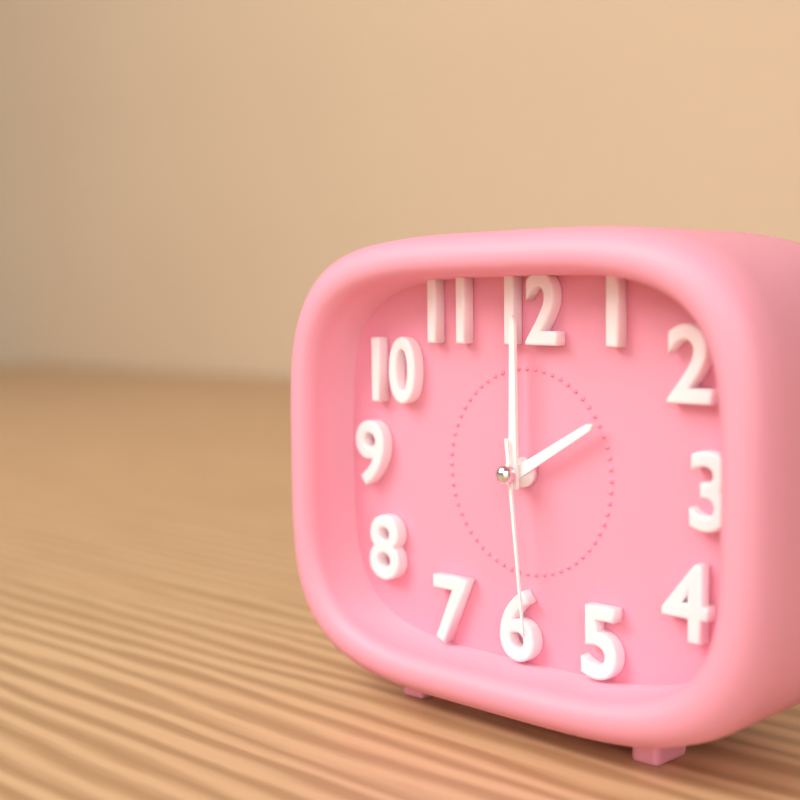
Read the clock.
2:00:29
